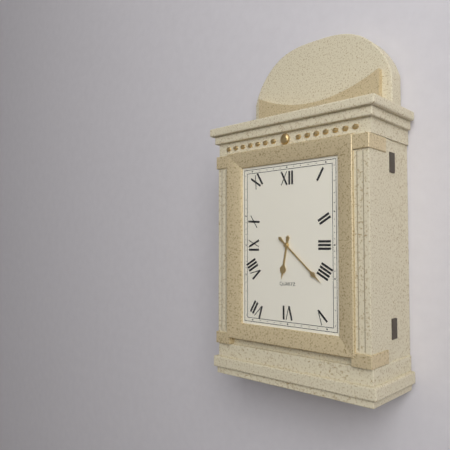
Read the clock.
6:22
